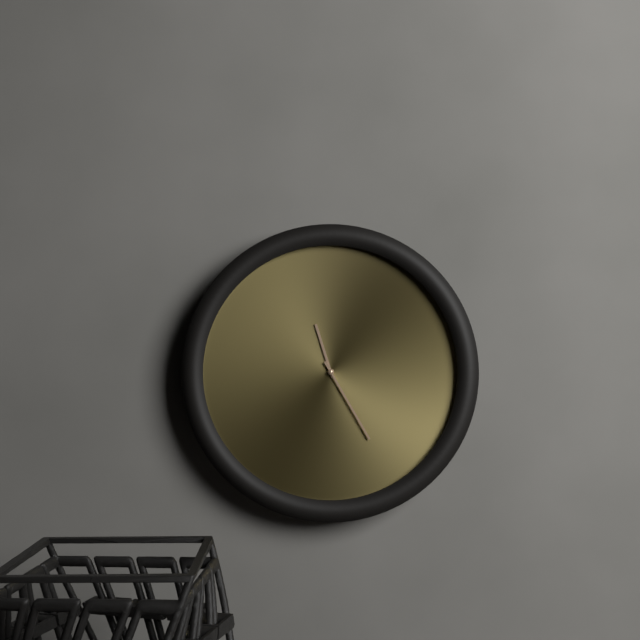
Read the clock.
11:25
